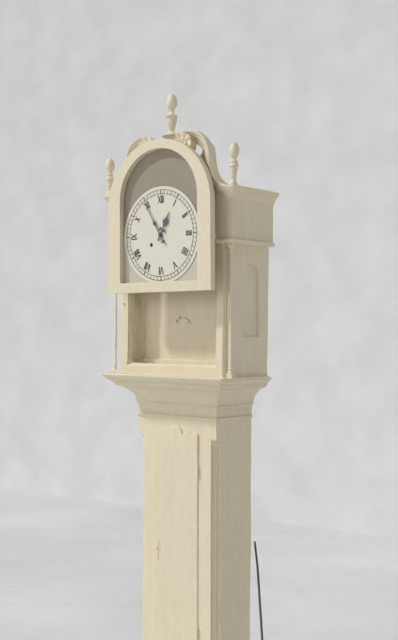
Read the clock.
12:55
